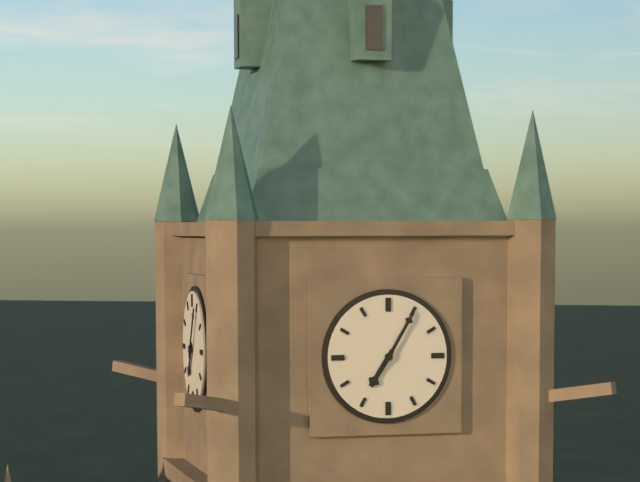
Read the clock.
7:05
